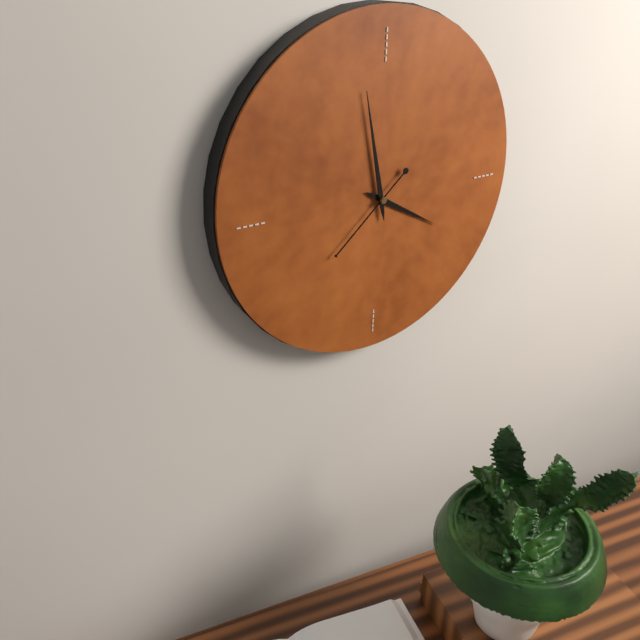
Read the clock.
3:58:38
